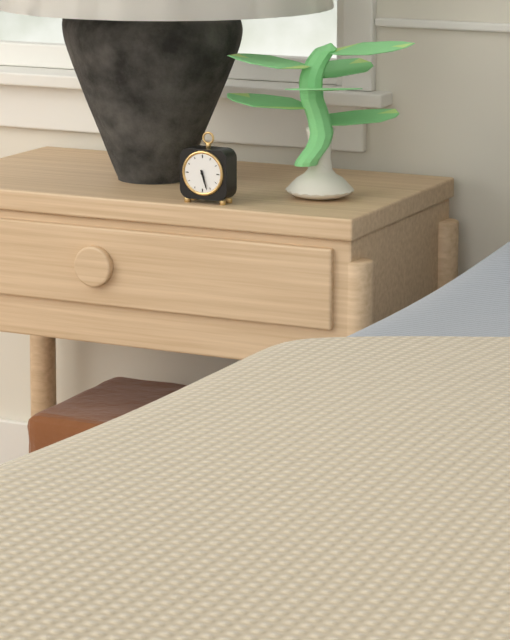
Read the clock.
5:27
